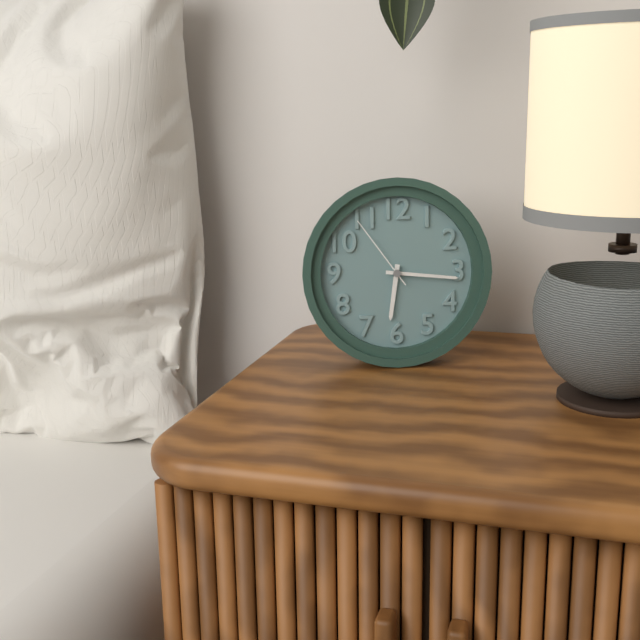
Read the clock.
6:16:54
